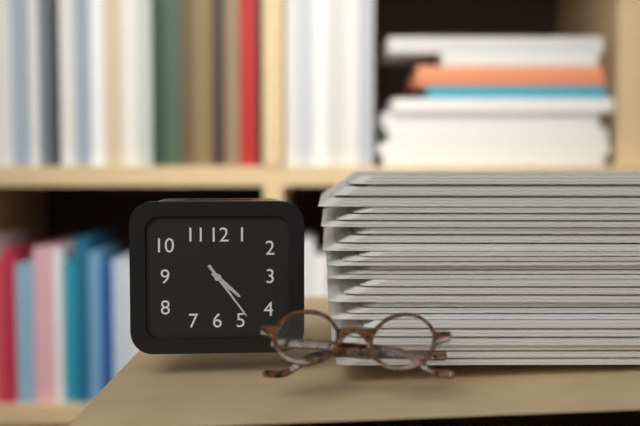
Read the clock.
4:24
